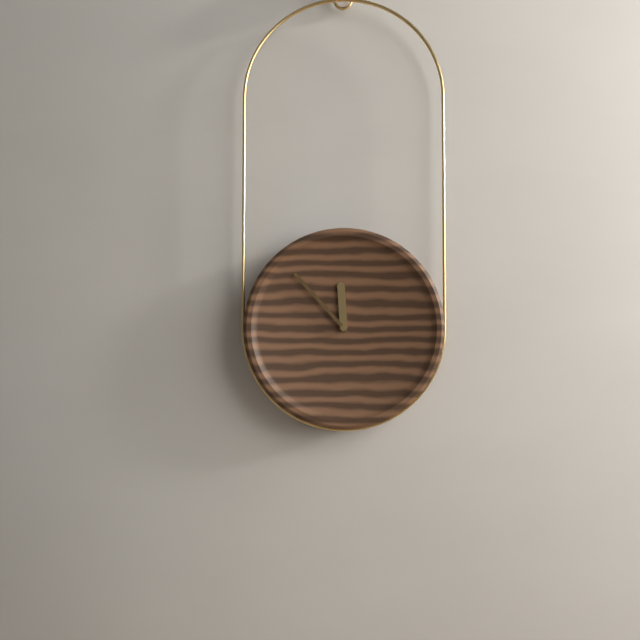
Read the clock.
11:53
